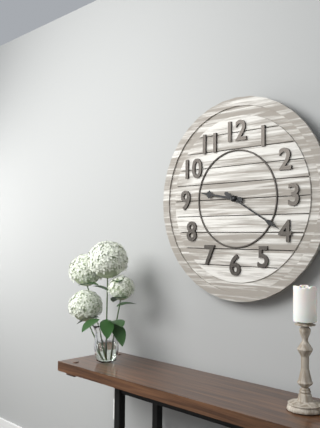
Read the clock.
9:20
